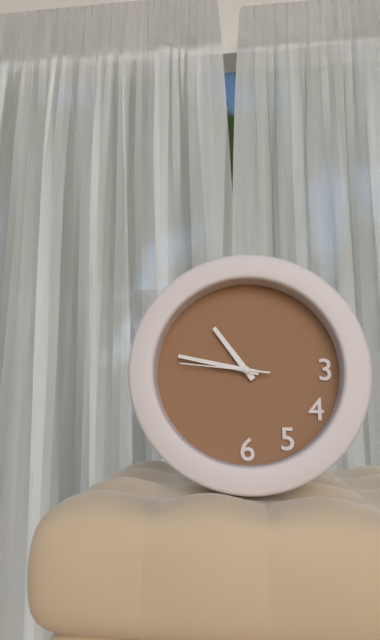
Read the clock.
10:47:46
